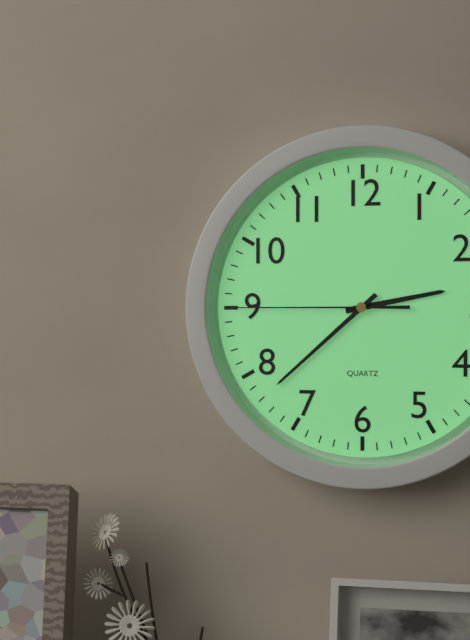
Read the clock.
2:38:45
